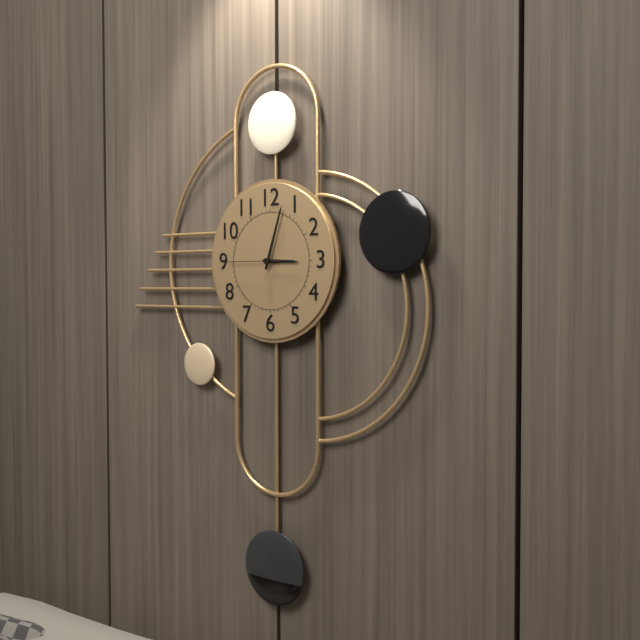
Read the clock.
3:03:45
